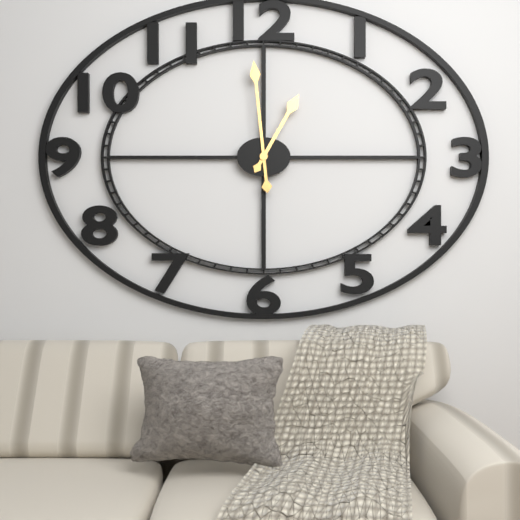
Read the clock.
12:59
